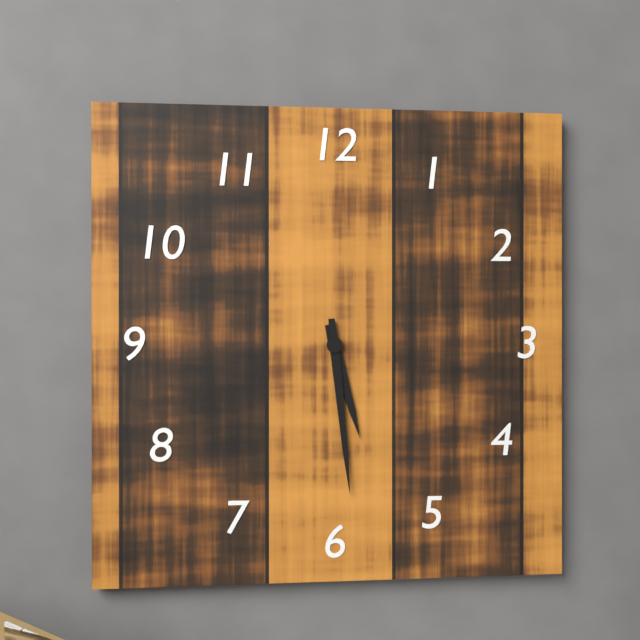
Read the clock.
5:29
